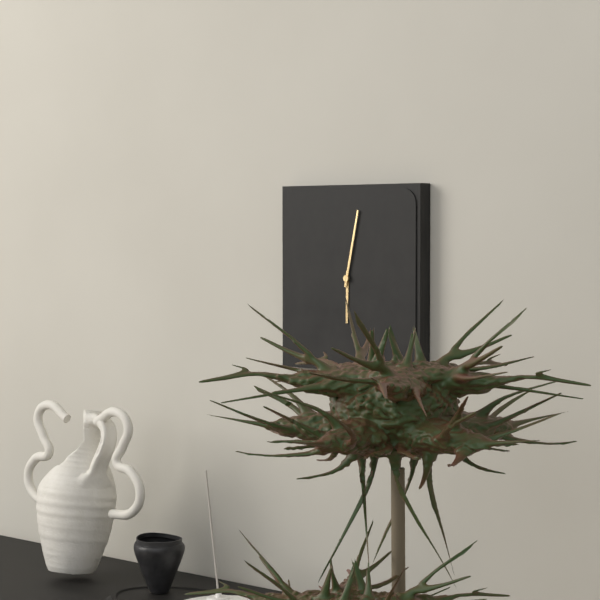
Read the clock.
6:02
